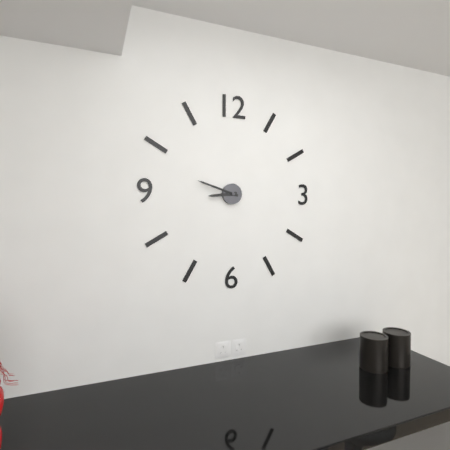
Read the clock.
8:48
